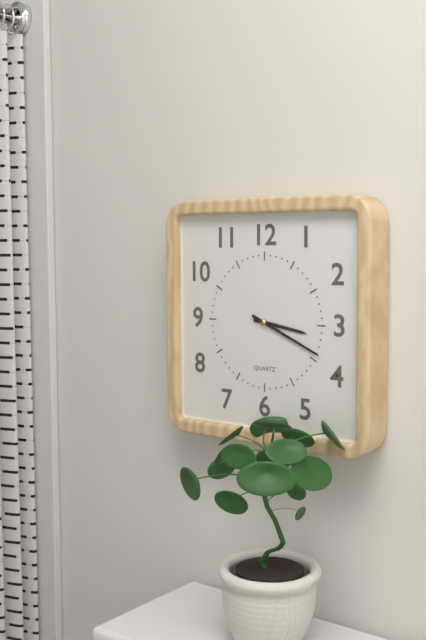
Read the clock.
3:19
